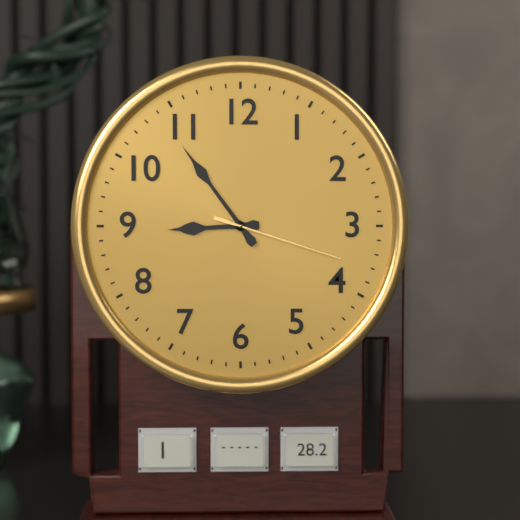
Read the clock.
8:54:18
